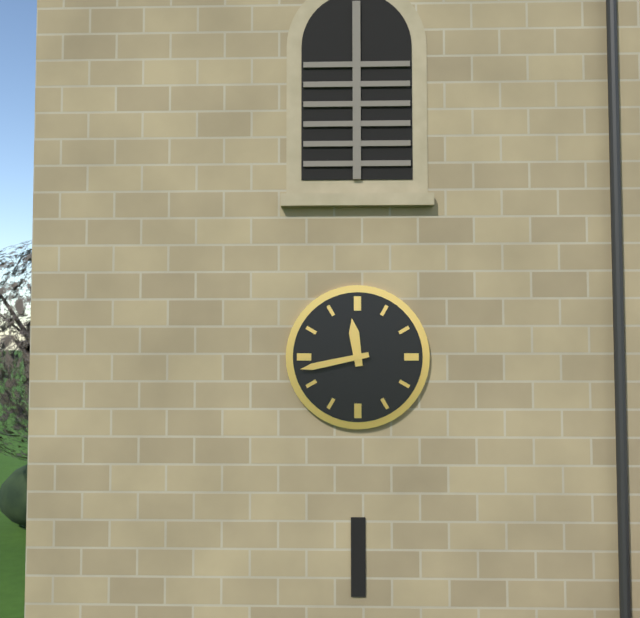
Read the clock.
11:43
